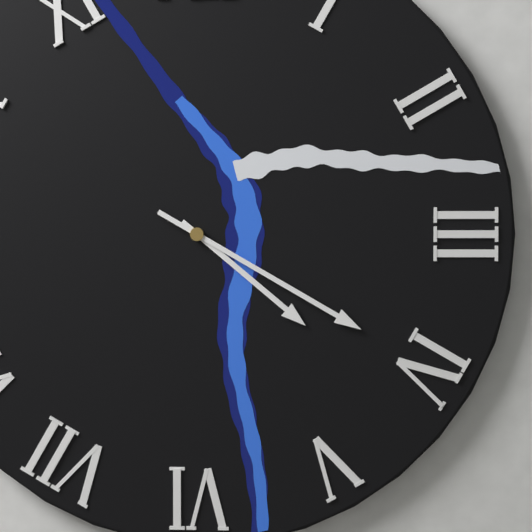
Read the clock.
4:20
